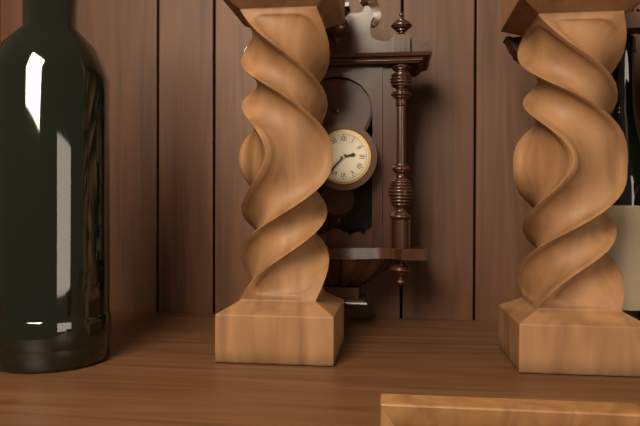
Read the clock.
2:37
